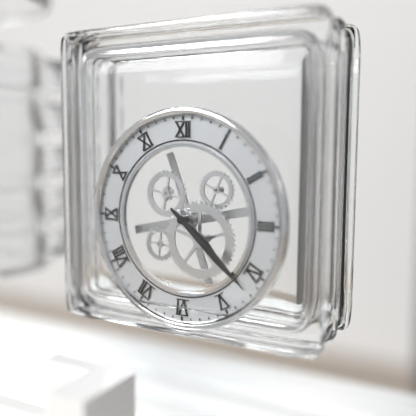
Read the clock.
4:22
